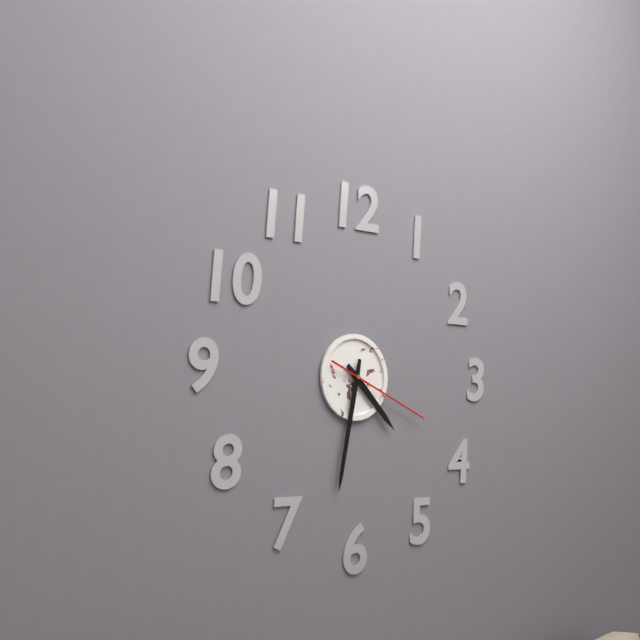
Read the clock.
4:32:19
